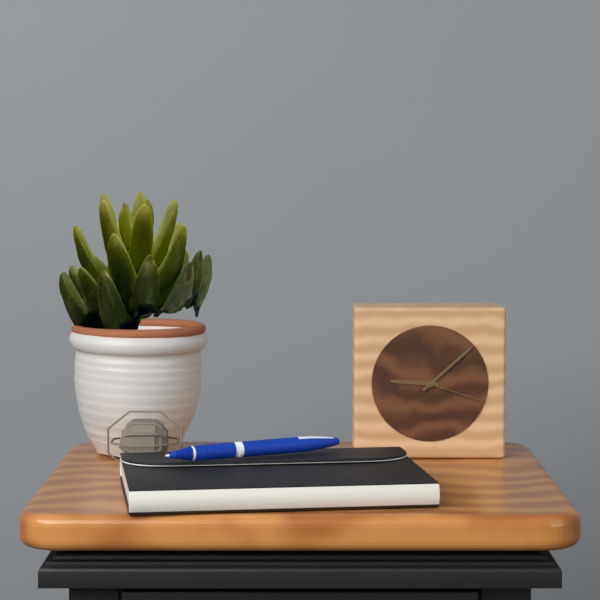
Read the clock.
9:08:18
